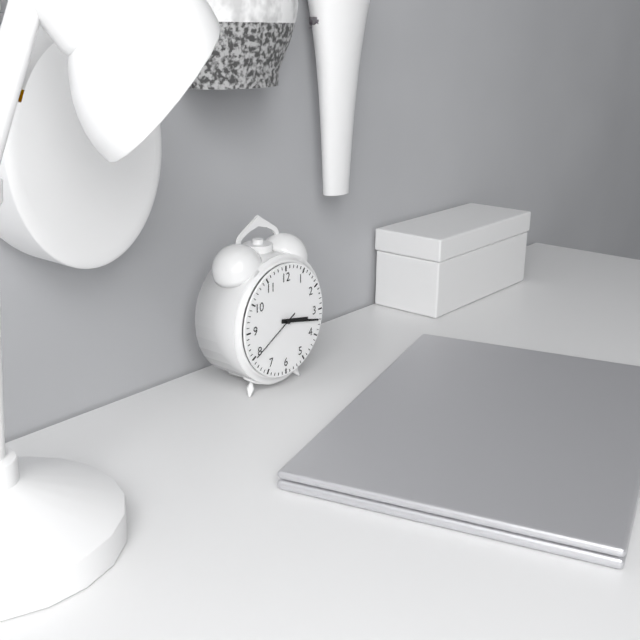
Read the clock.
3:17:40
